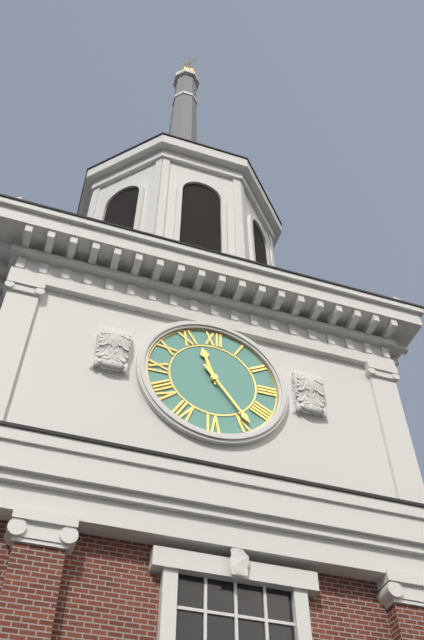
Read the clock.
11:24
